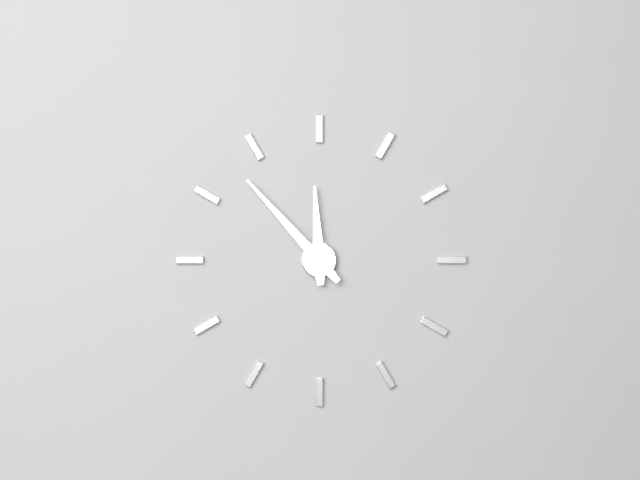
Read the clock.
11:53
